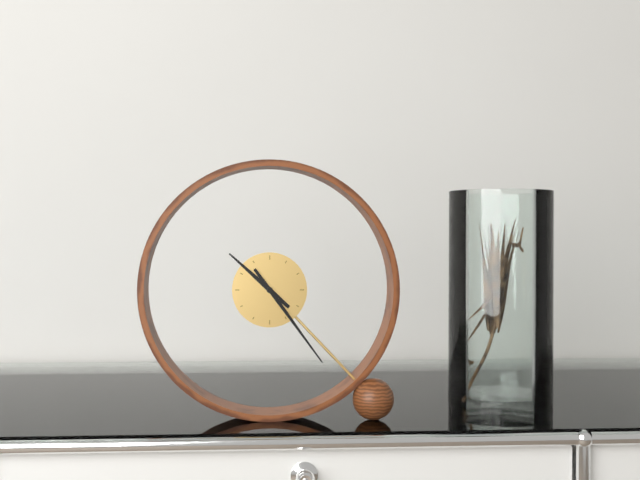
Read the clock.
10:24
